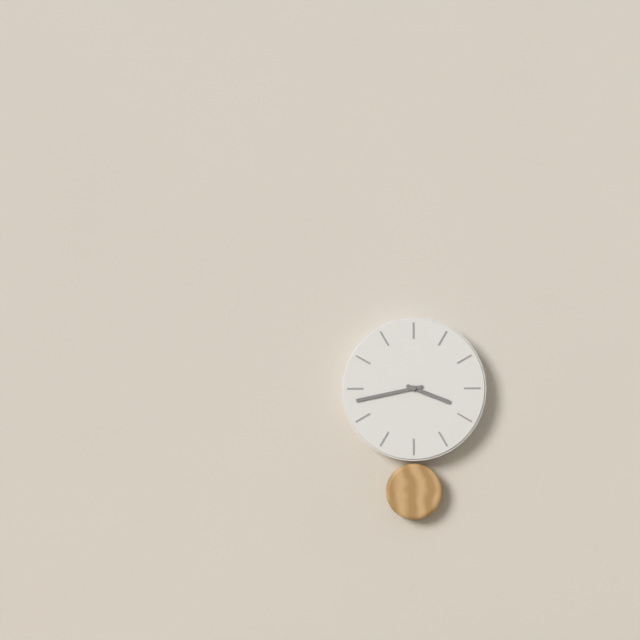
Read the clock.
3:43
